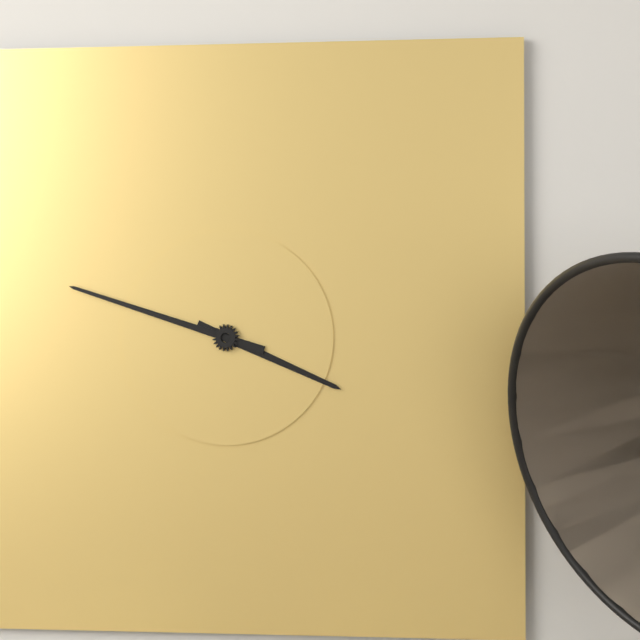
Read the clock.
3:48
